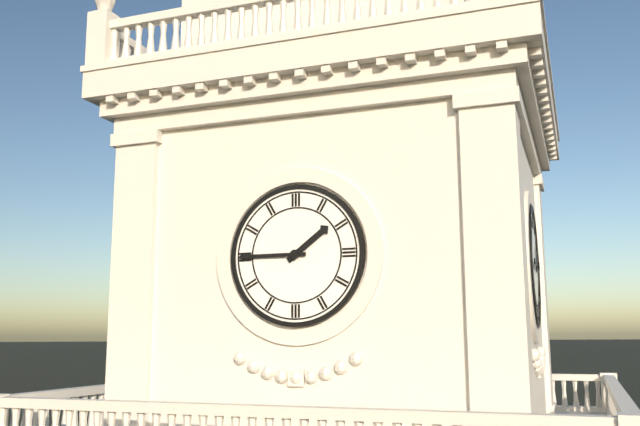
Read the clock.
1:45
